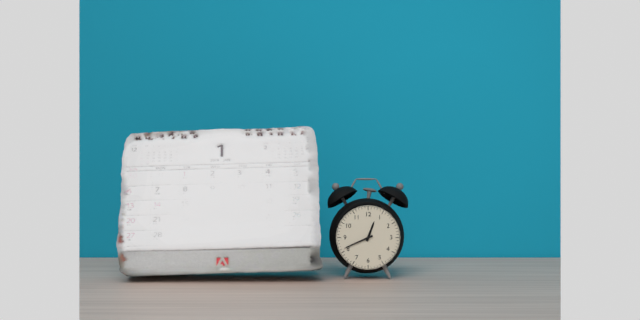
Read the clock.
12:41
